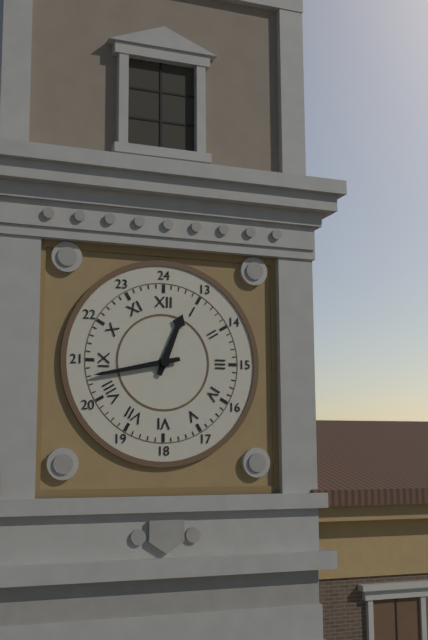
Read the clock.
12:43
